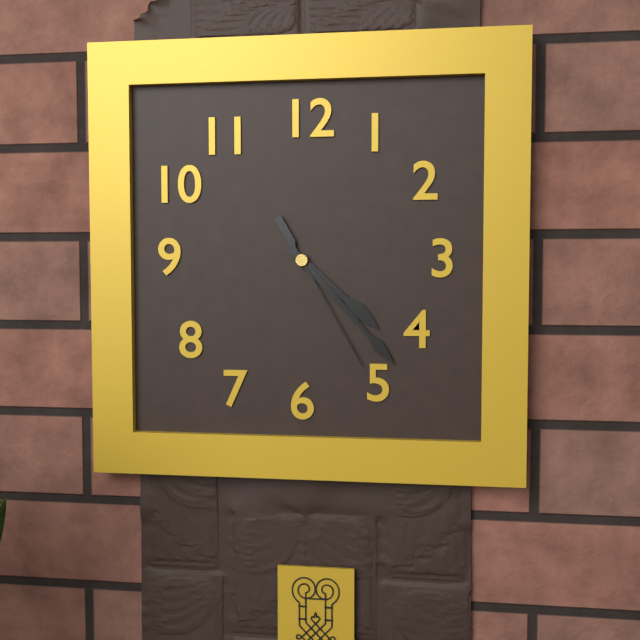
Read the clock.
4:23:25
